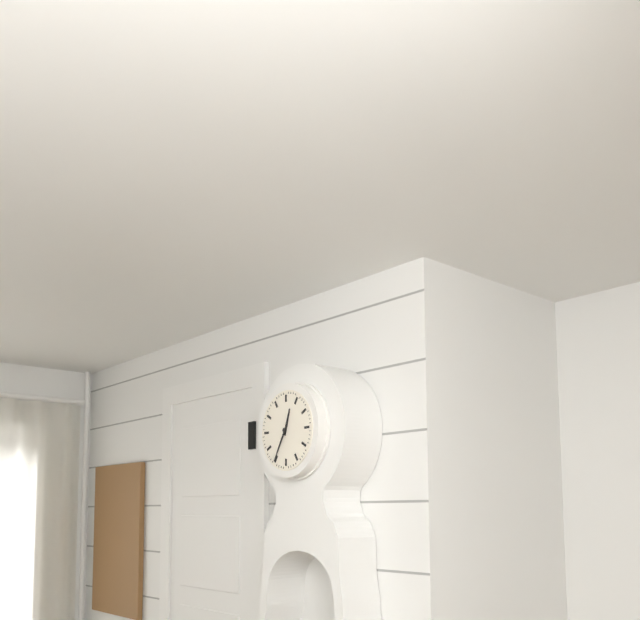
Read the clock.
12:35
